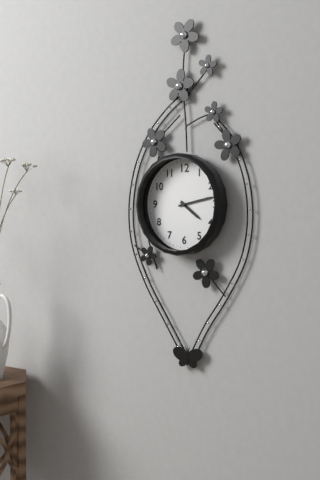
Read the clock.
4:13
